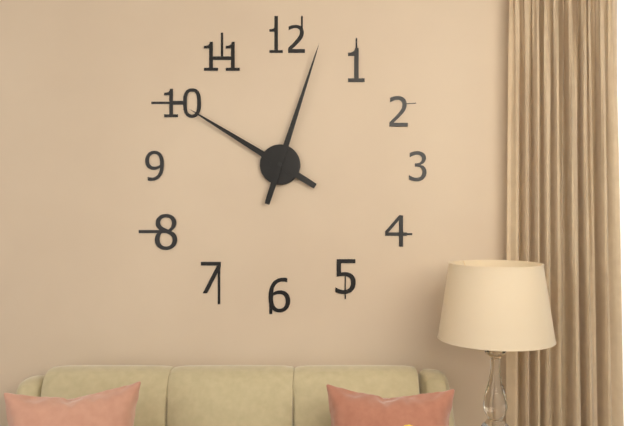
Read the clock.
10:03
